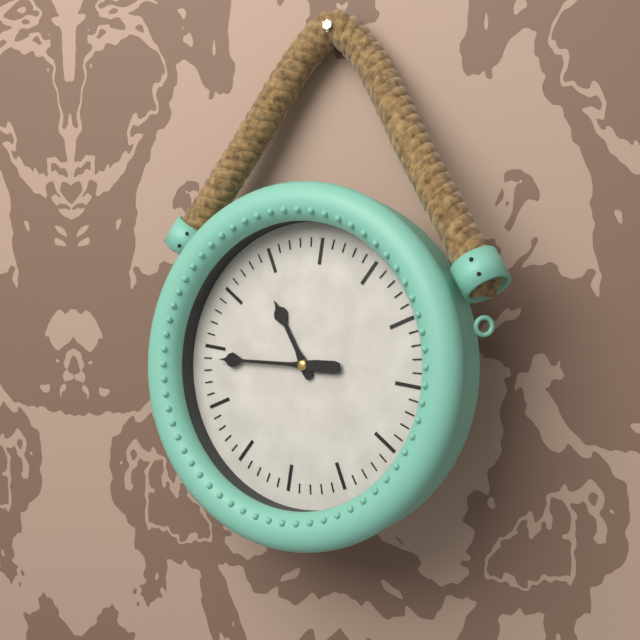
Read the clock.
10:44
